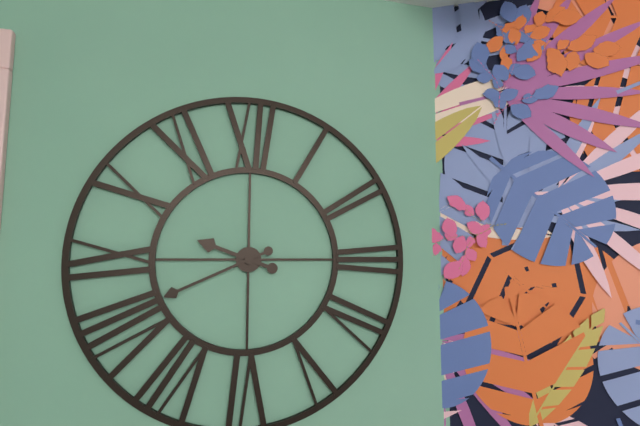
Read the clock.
9:41
